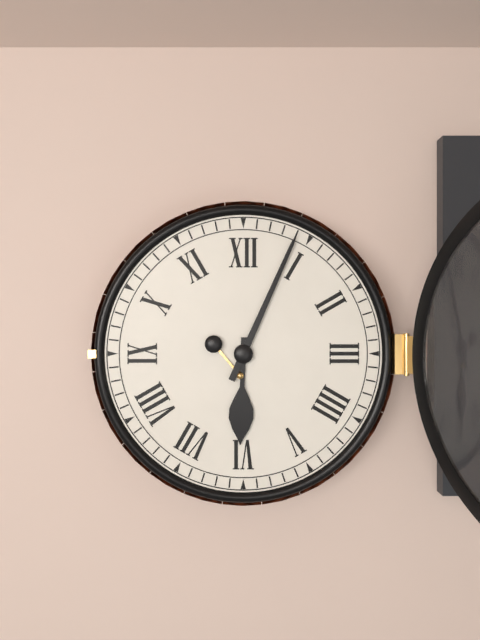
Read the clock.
6:04
